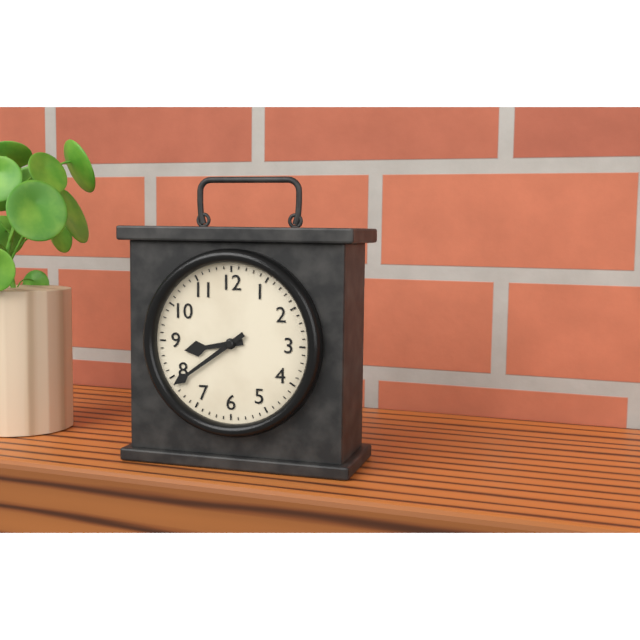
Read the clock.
8:39
